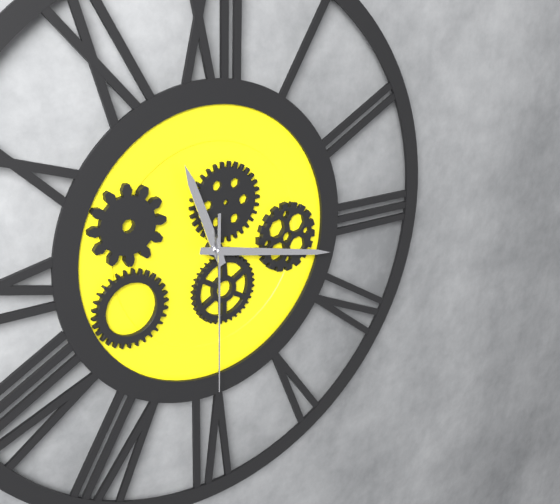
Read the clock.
11:17:30
